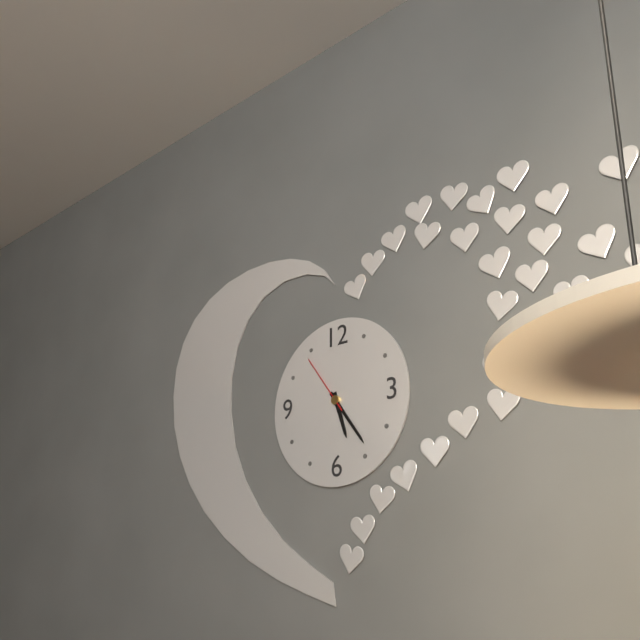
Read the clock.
5:24:54
